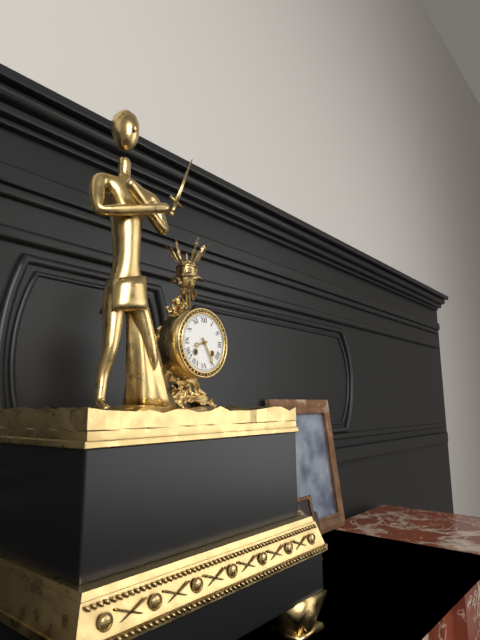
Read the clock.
8:25
